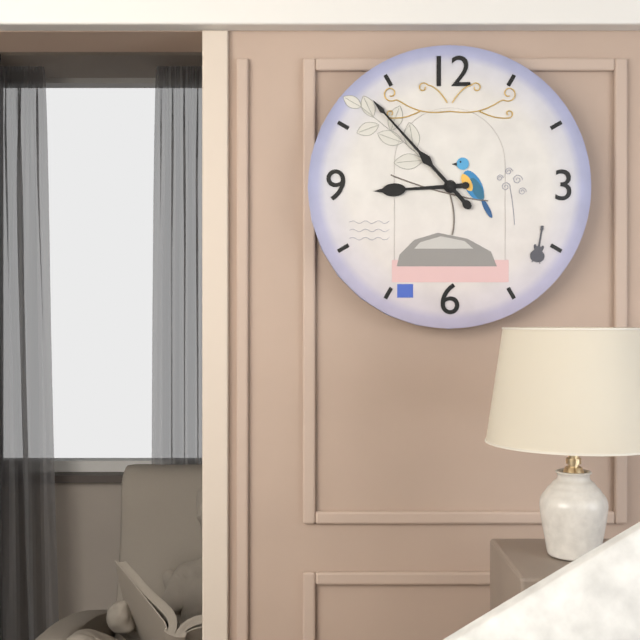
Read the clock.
8:53
